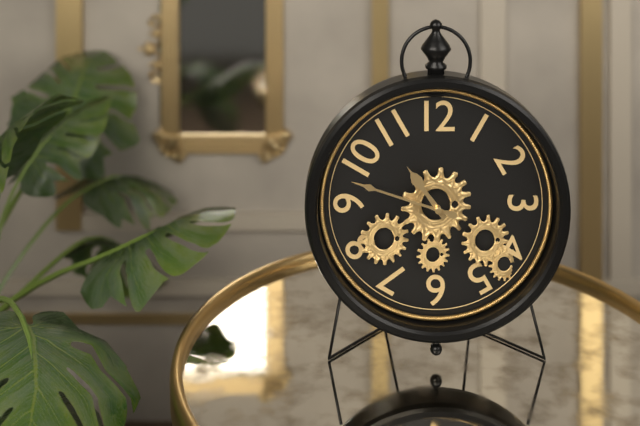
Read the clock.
10:48
